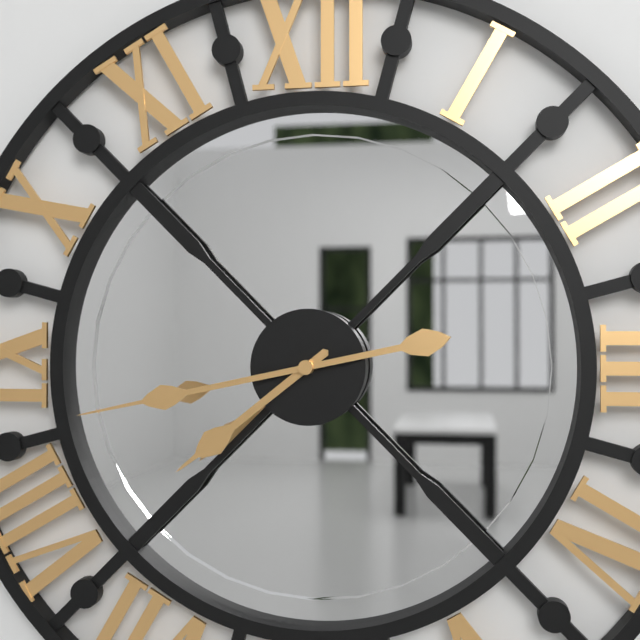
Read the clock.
7:43
